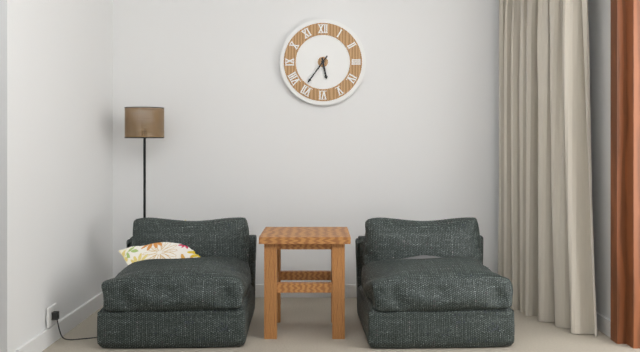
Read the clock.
5:36
